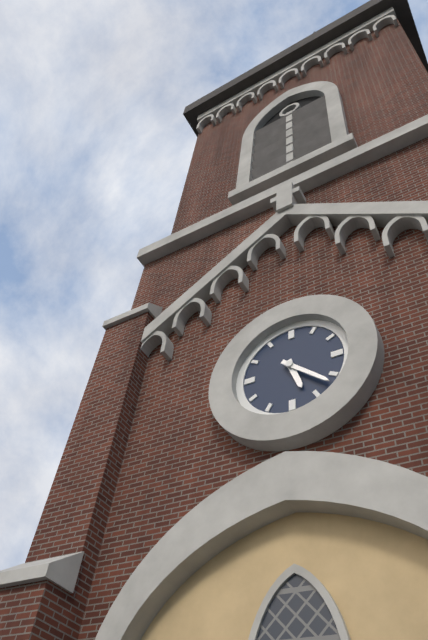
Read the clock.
5:22
